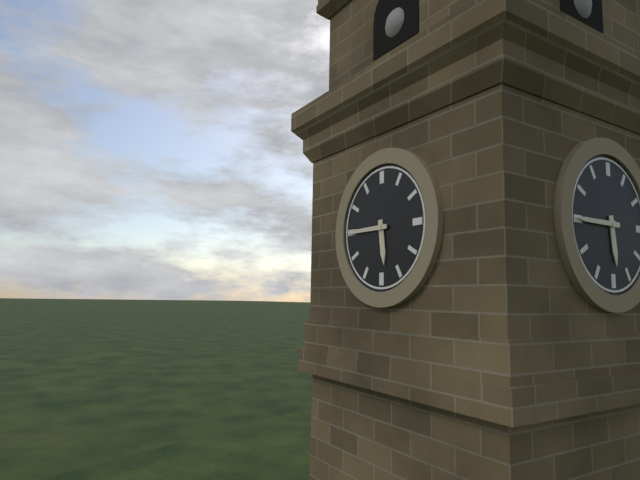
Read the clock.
5:45
